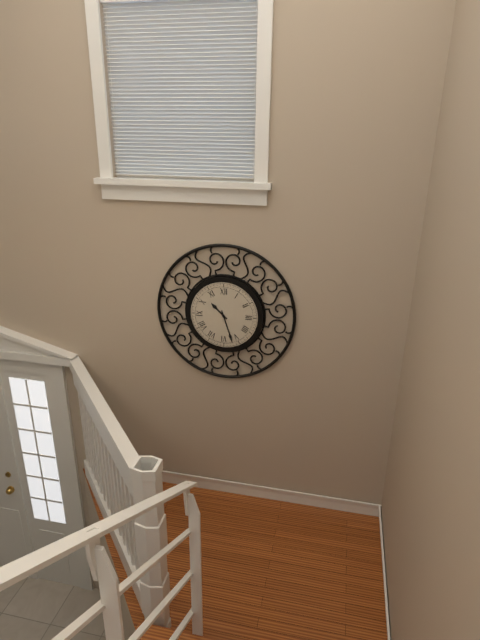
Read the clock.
10:27
